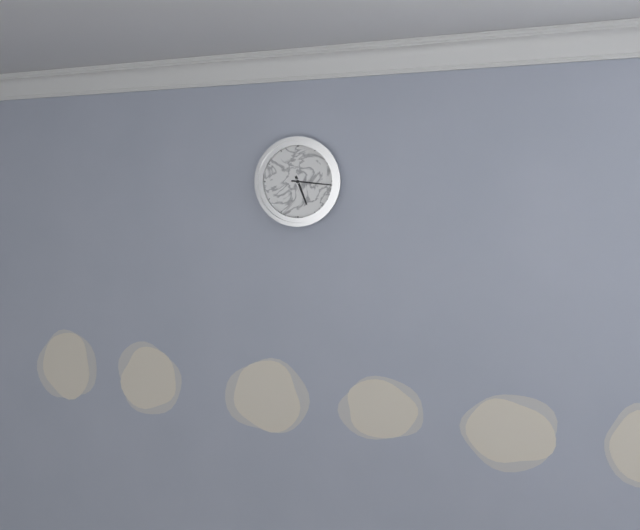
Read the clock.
5:16
